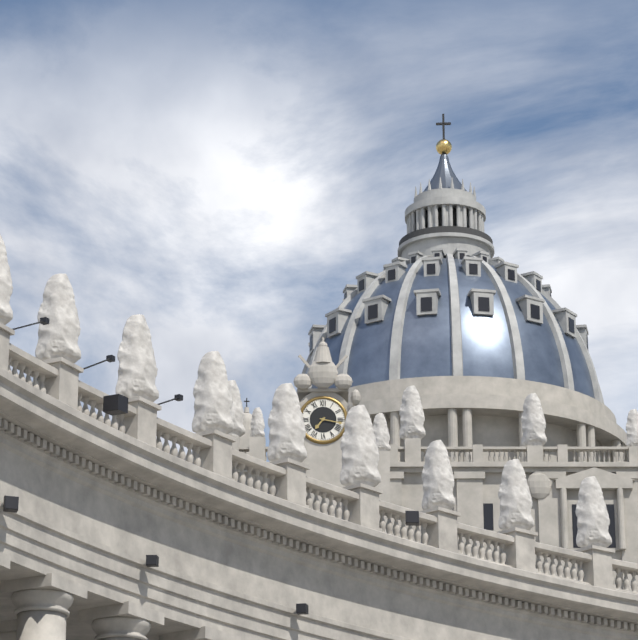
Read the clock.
7:17
